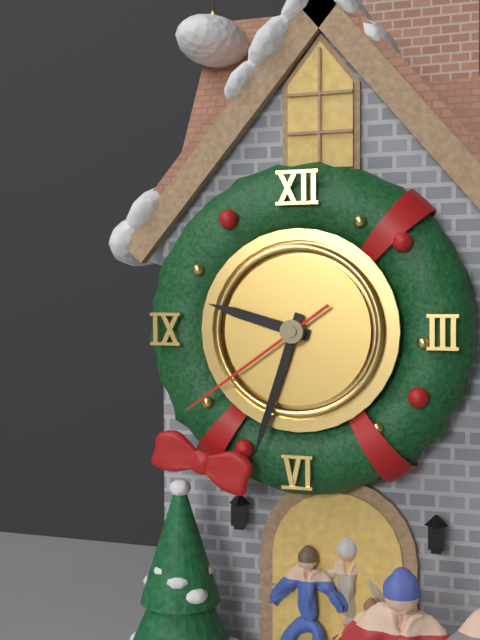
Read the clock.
9:33:39
